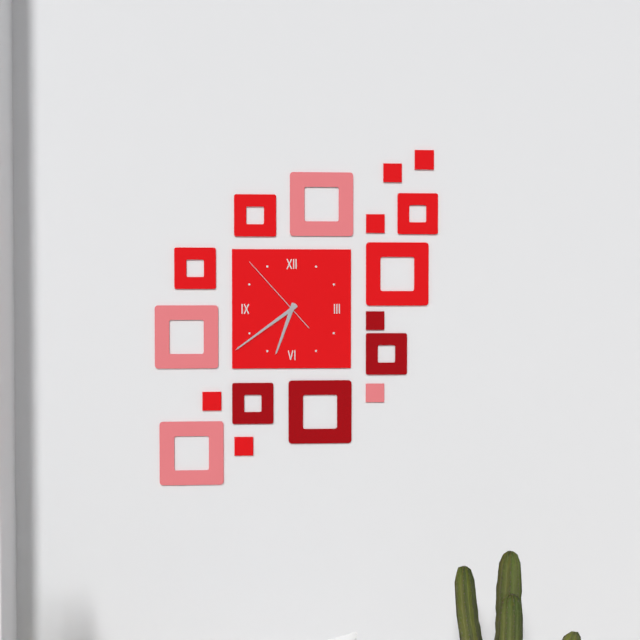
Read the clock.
6:39:53
